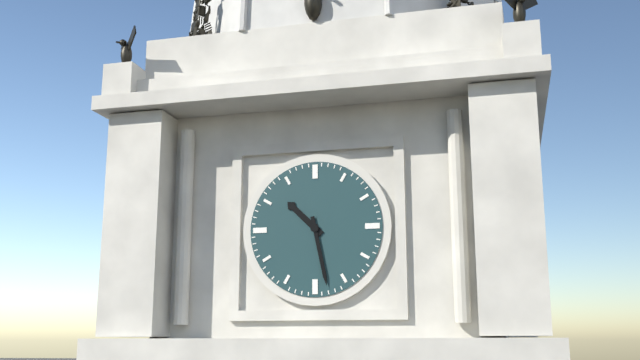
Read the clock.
10:28
